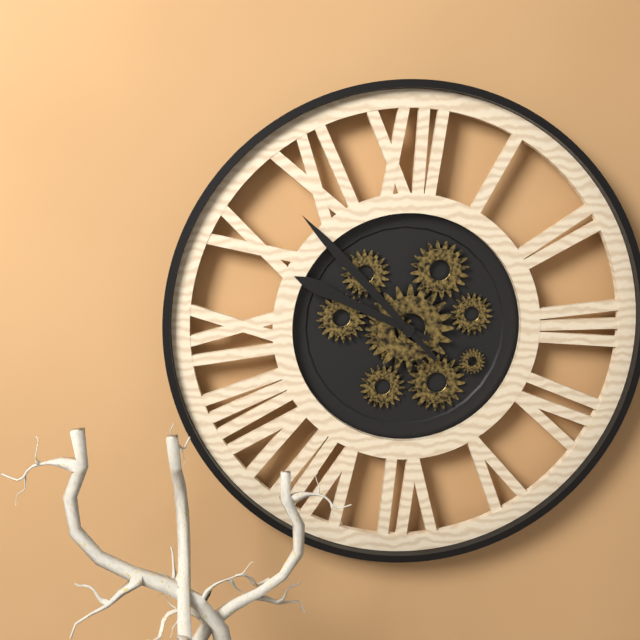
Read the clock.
9:53
